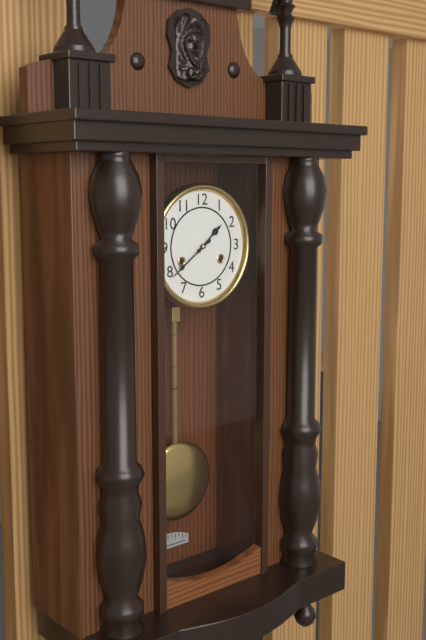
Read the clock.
1:39
